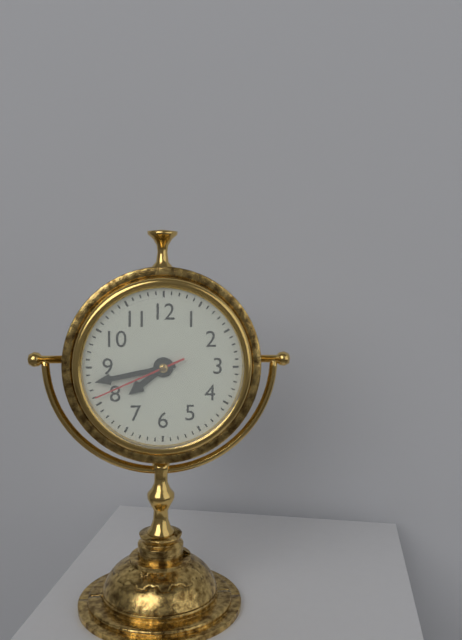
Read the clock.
7:43:41
